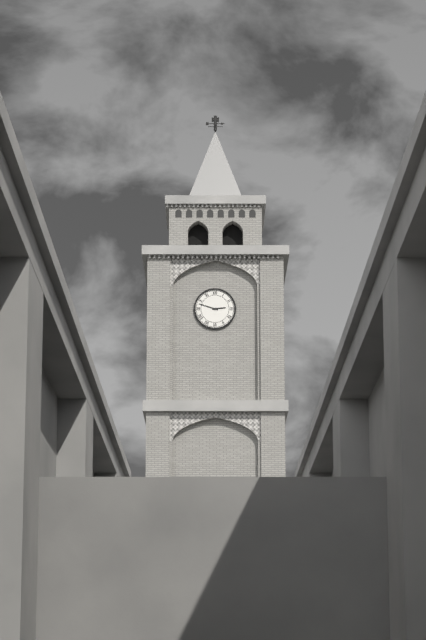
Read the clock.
2:48
